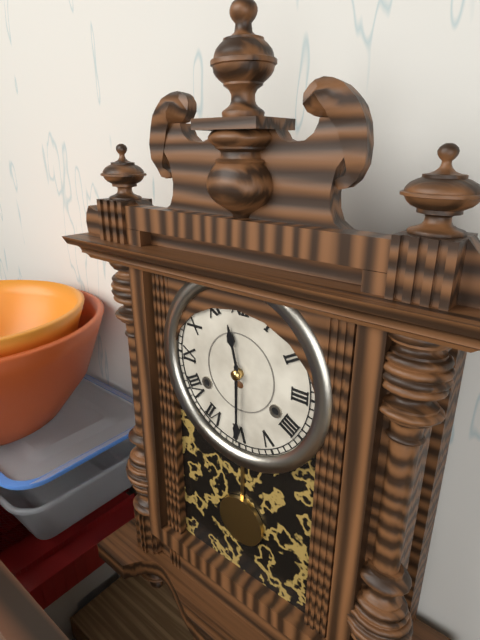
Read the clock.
11:30
